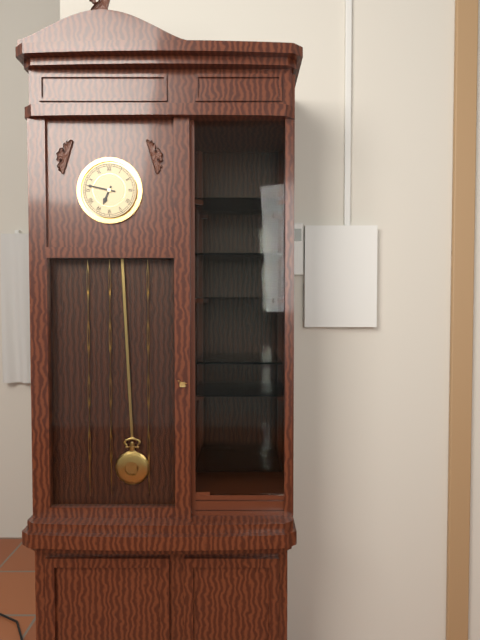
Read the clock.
6:47
